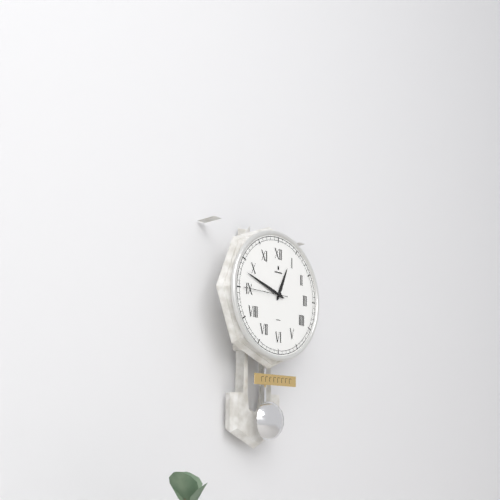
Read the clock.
12:48
